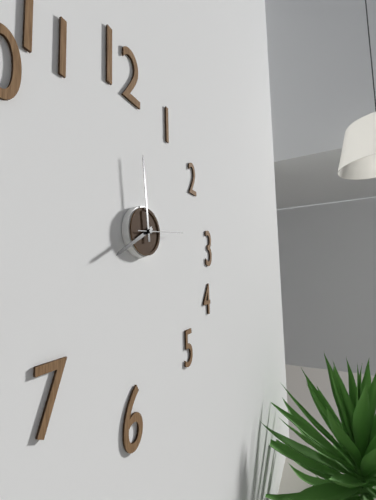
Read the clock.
7:59
